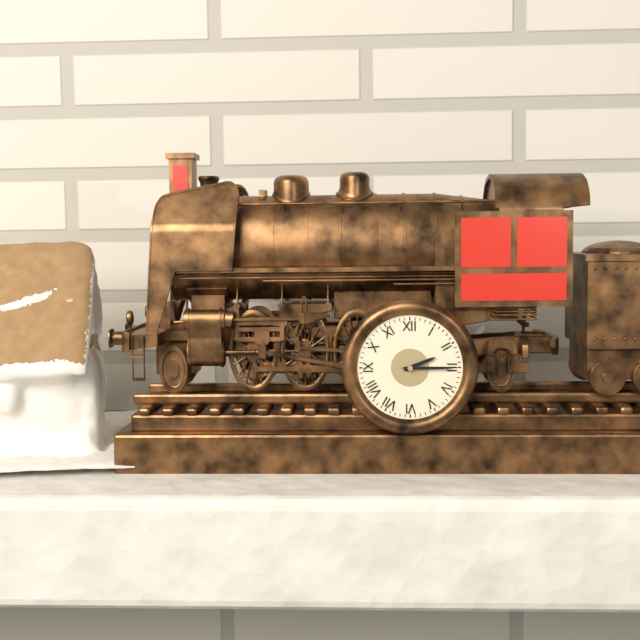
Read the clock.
2:15
